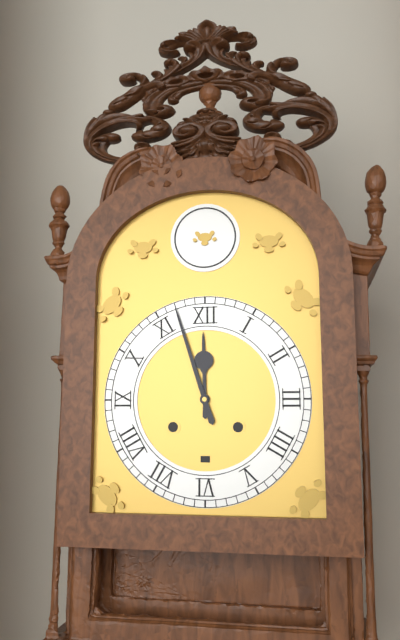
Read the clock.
11:57
